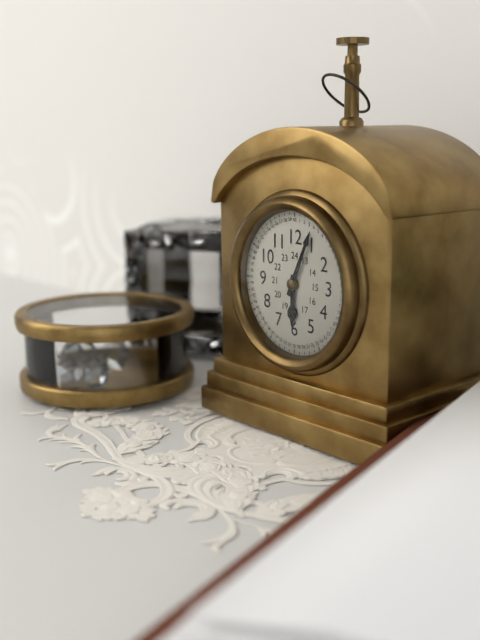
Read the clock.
6:04
